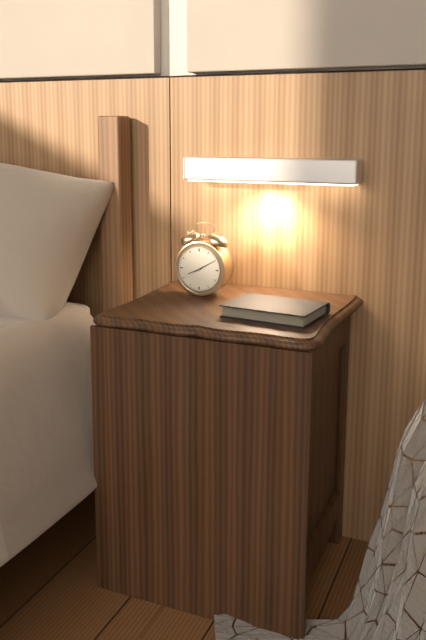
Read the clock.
8:10
